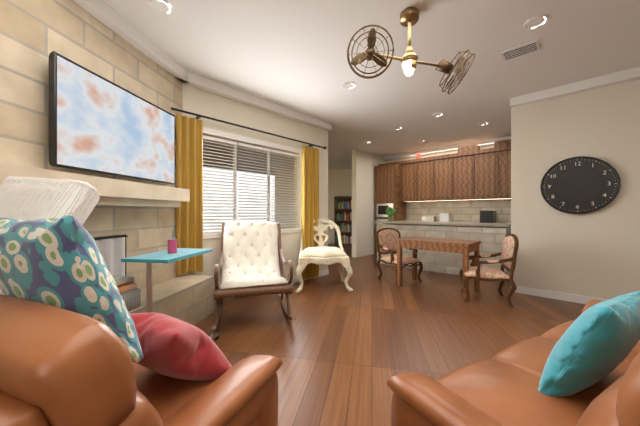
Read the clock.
11:32
